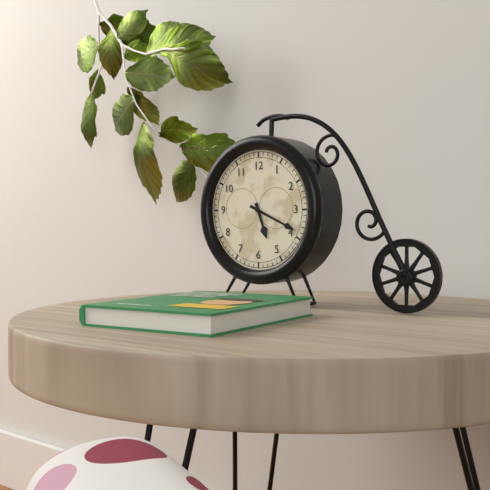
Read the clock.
5:19
